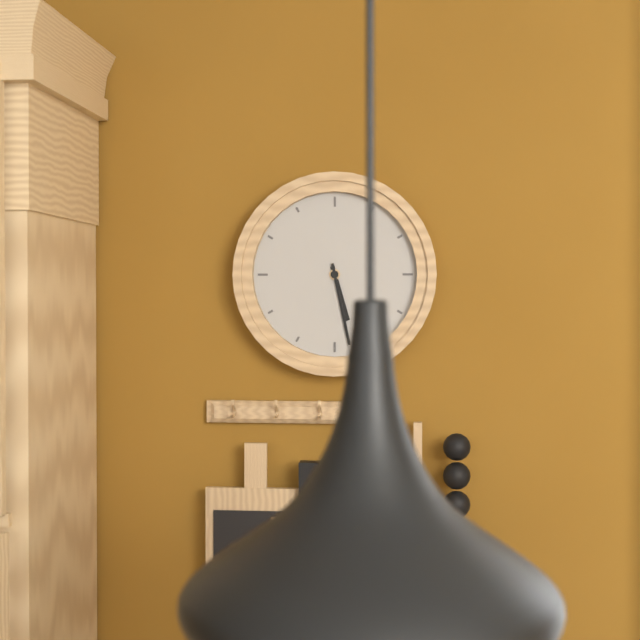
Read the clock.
5:28
